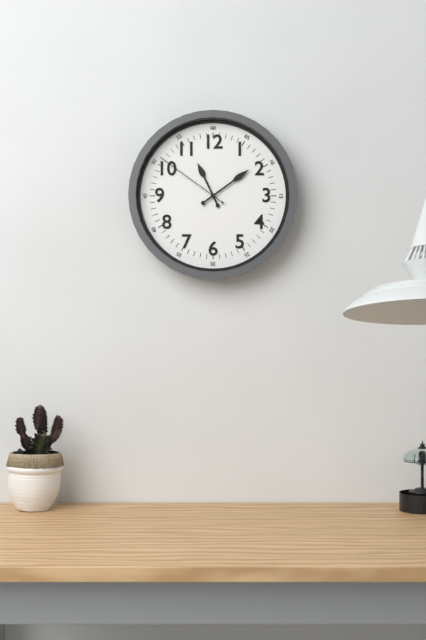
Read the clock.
11:09:51
